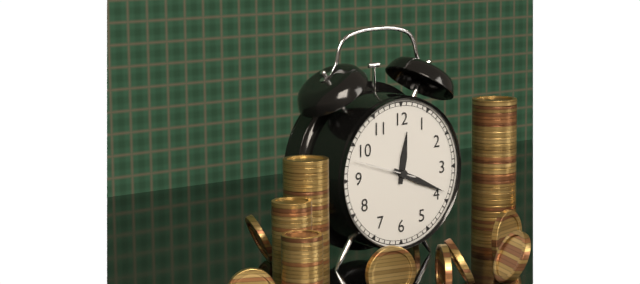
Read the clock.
12:19:48
